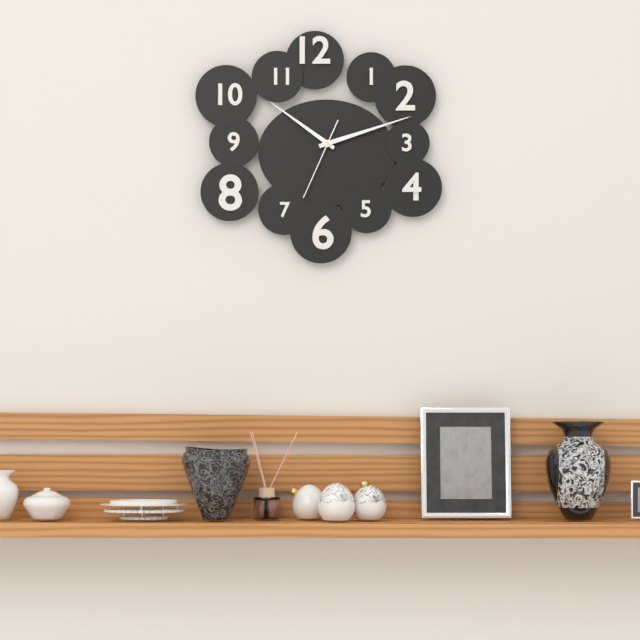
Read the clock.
10:12:34
